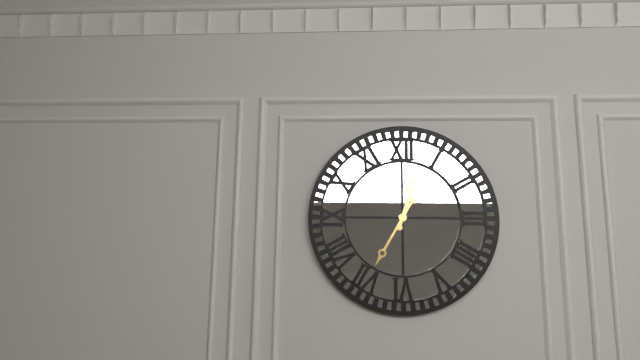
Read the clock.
12:35
